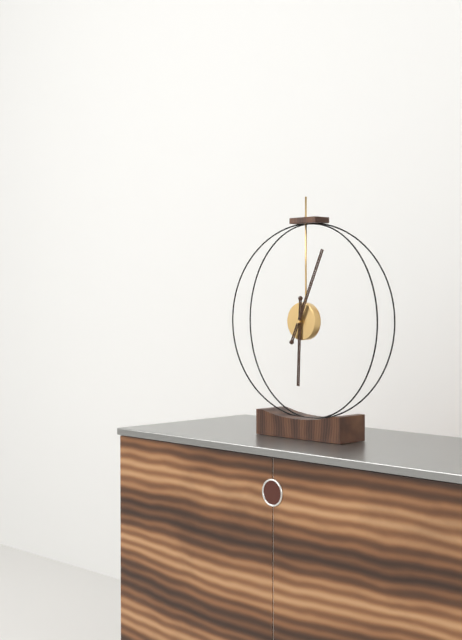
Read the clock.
6:04
